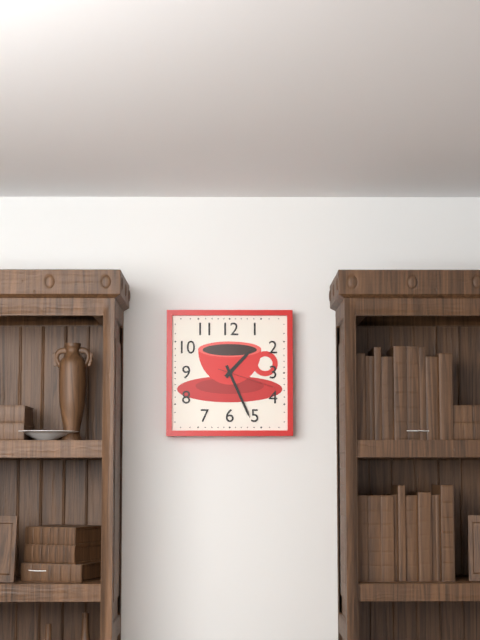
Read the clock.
1:26:18
